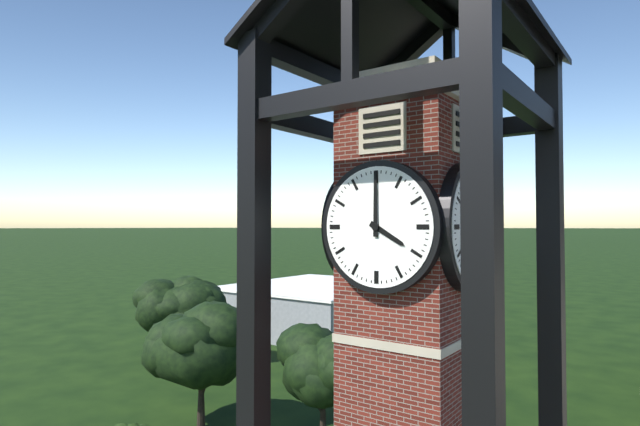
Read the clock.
4:00
